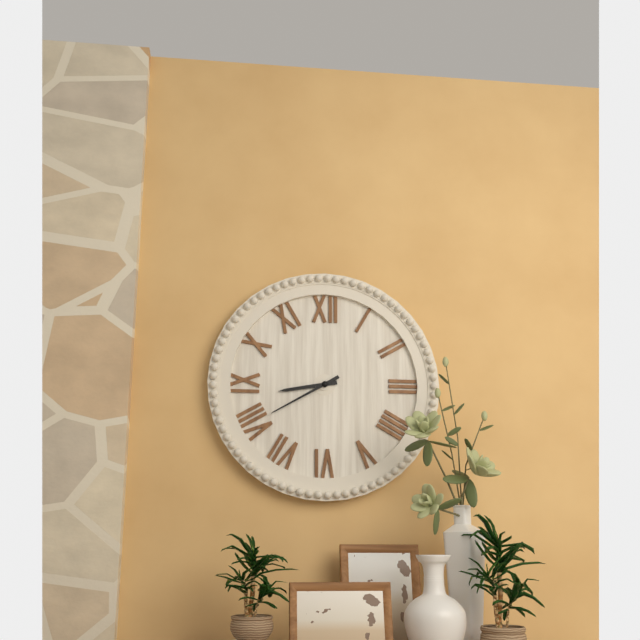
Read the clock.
8:40
